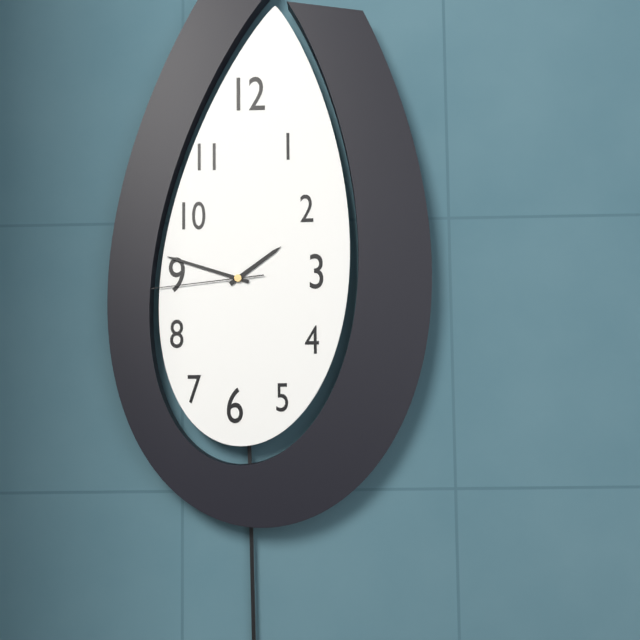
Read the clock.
1:48:44
